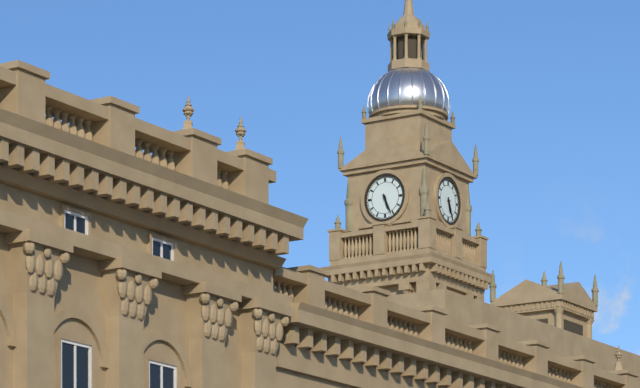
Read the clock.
5:26
